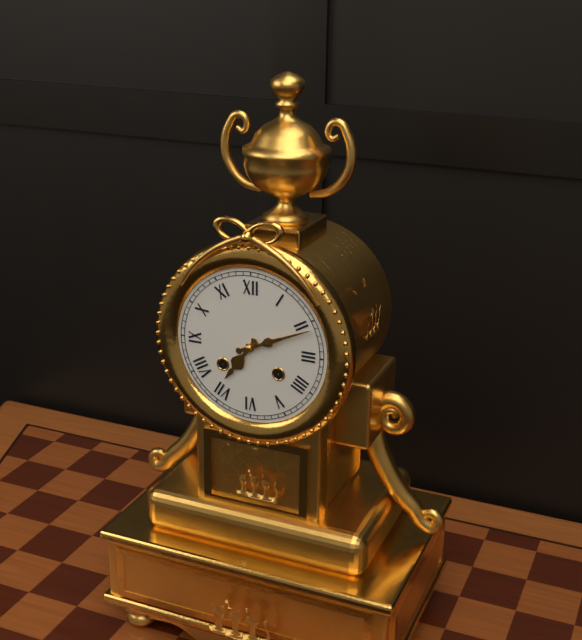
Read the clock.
7:11
